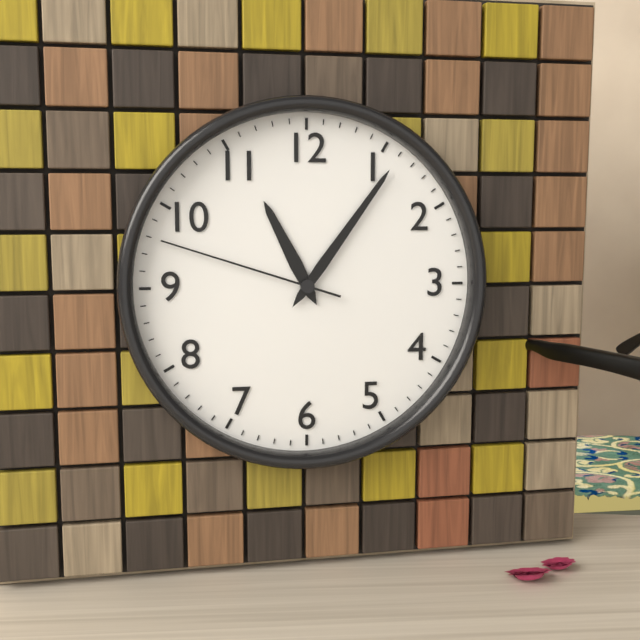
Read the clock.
11:06:48
